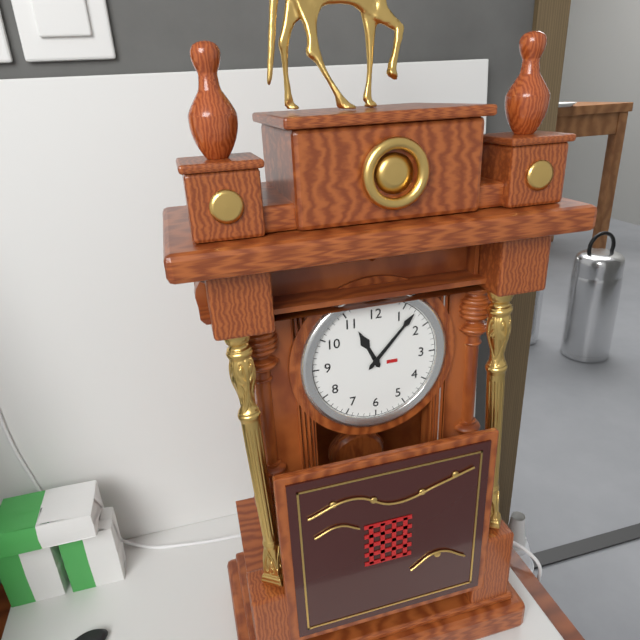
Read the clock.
11:07
